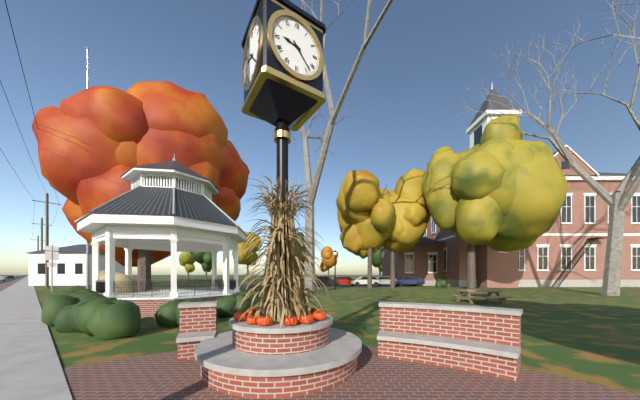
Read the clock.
9:23
